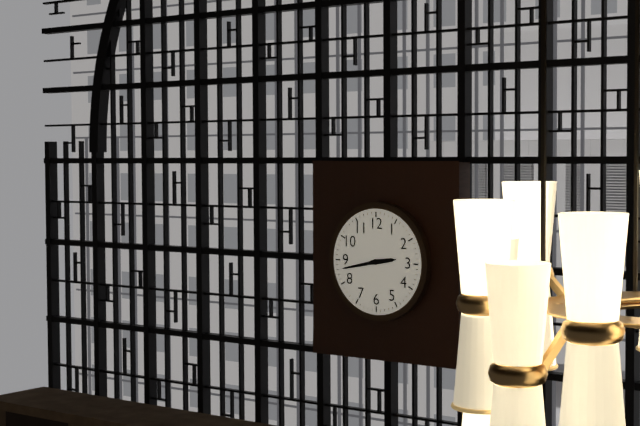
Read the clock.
2:43
